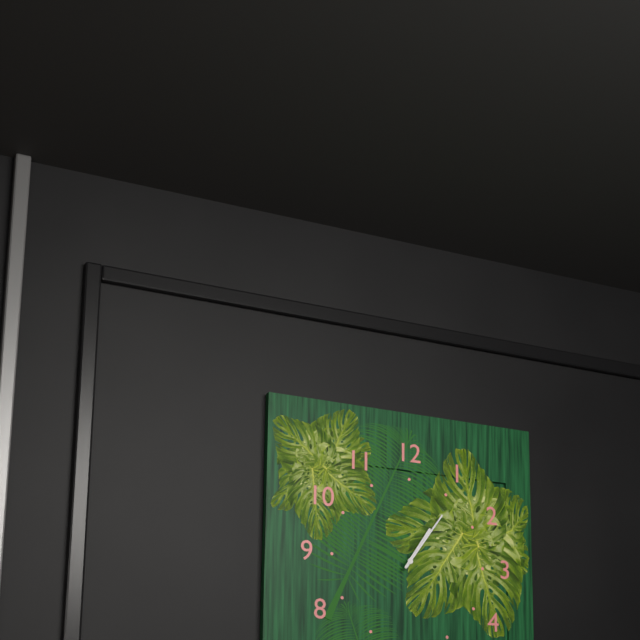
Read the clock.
1:06
